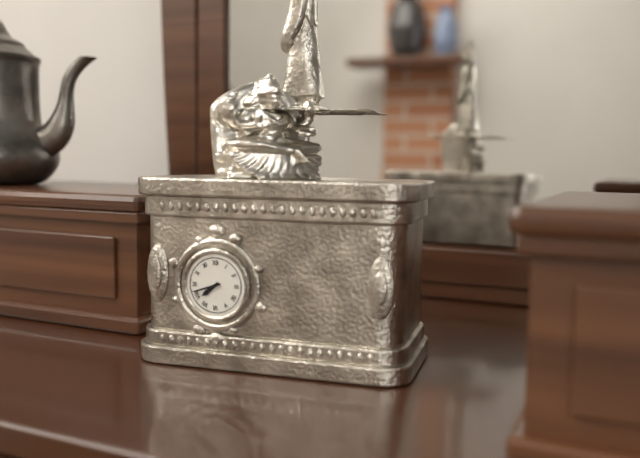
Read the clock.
7:42
